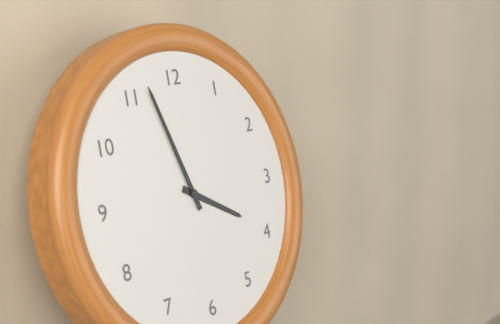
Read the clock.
3:57
